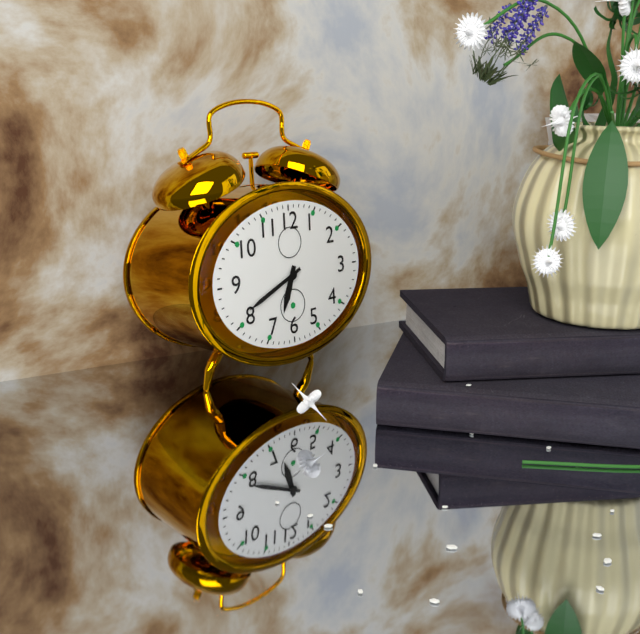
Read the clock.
6:41
